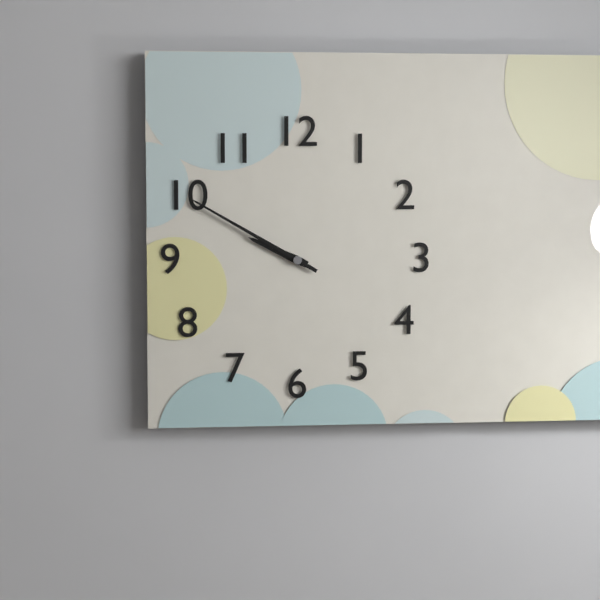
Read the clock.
9:50
